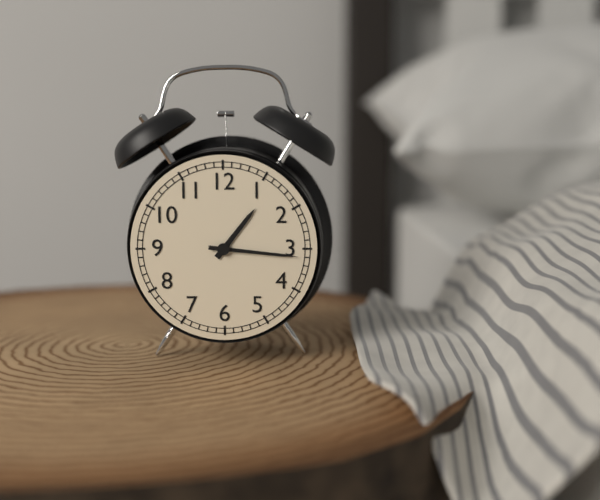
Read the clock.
1:16
